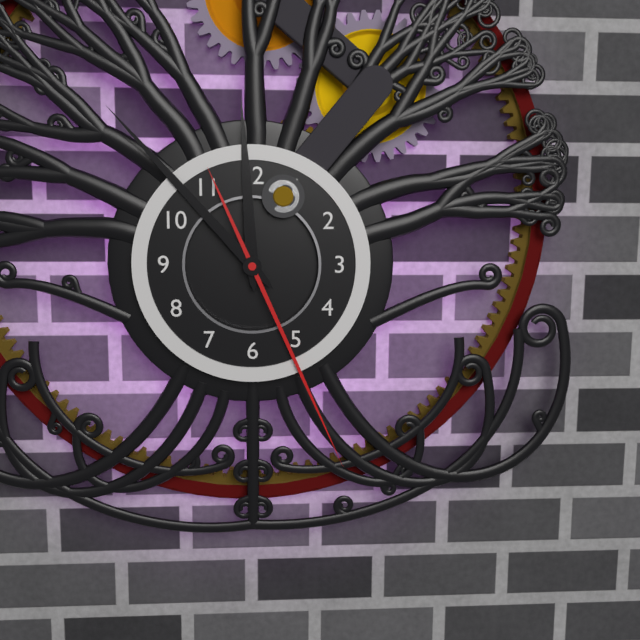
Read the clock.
11:53:26
